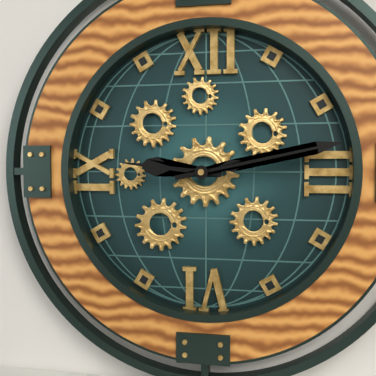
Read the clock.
9:13
